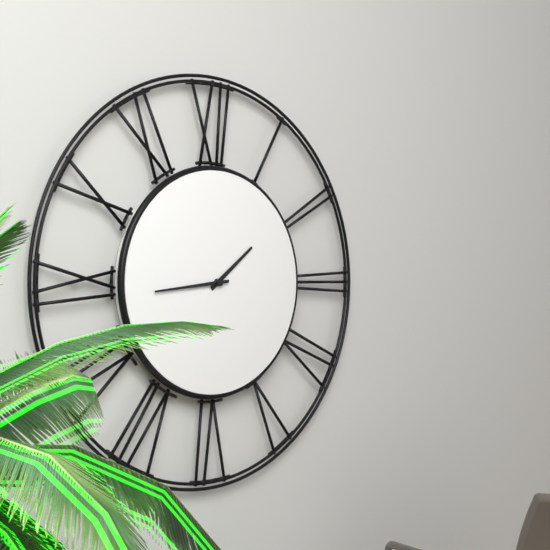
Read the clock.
1:44
